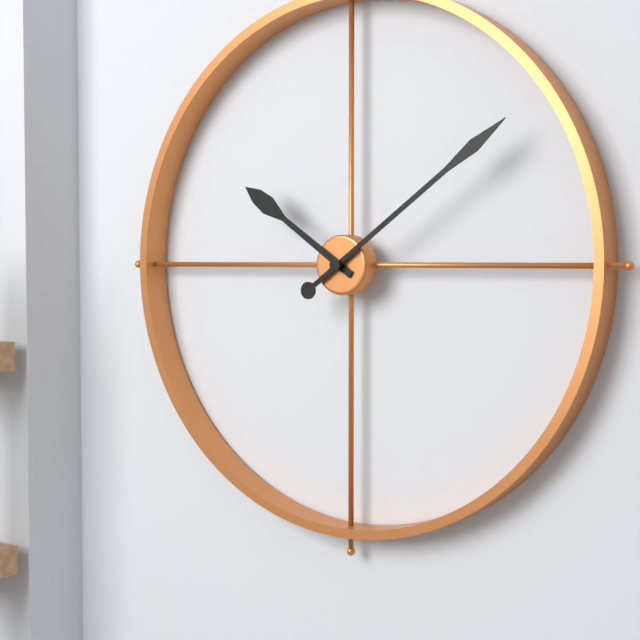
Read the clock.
10:09
